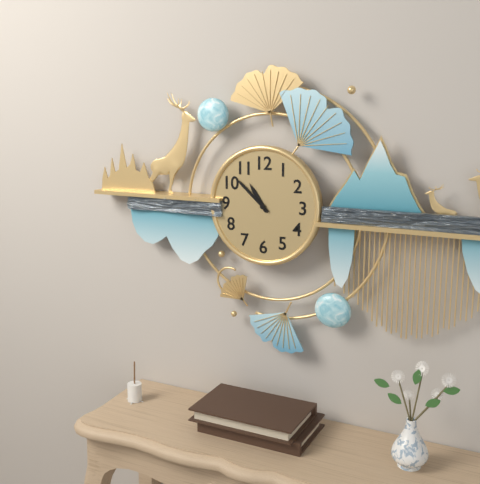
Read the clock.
10:52
